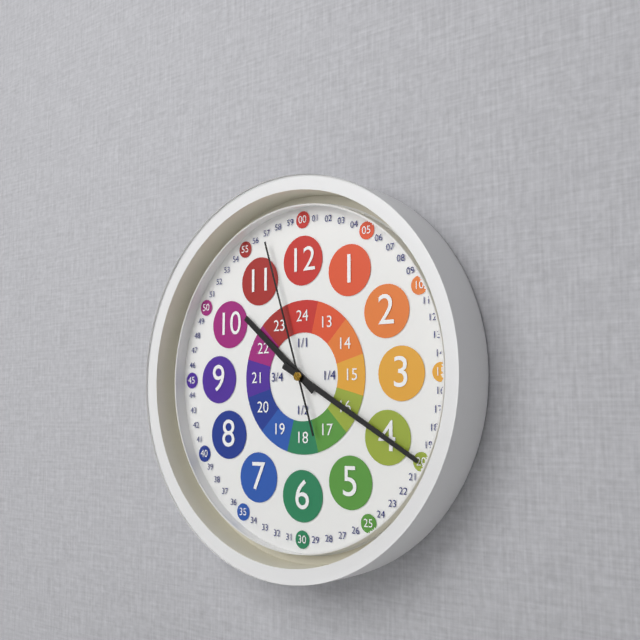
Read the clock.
10:20:57
